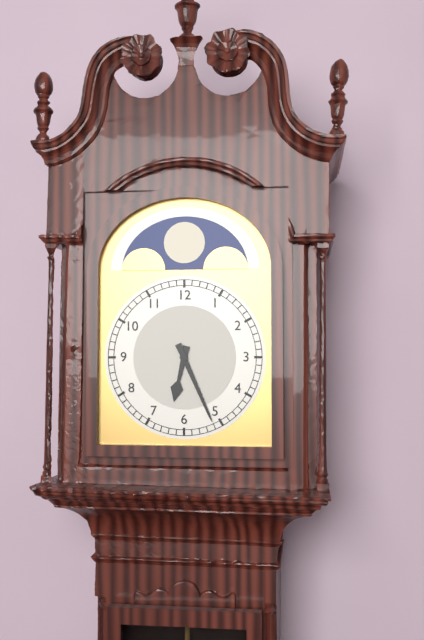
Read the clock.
6:26
